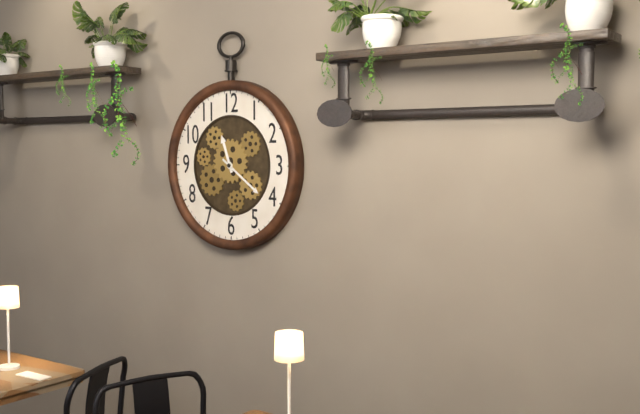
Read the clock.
11:21
